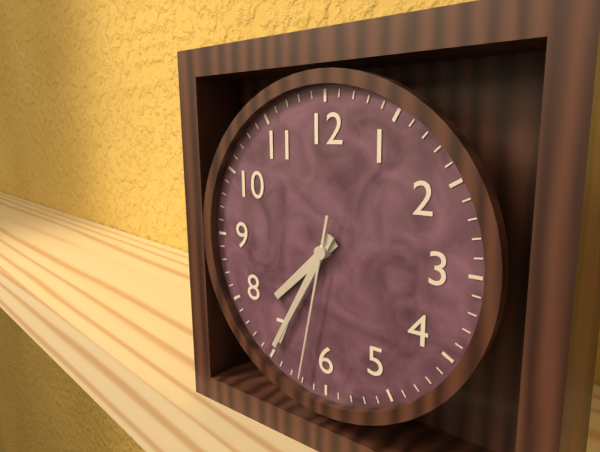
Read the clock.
7:35:32
